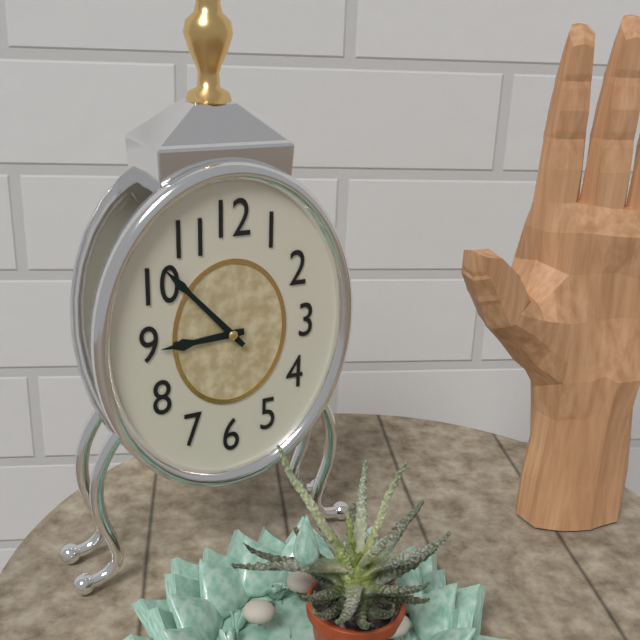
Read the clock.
8:53
